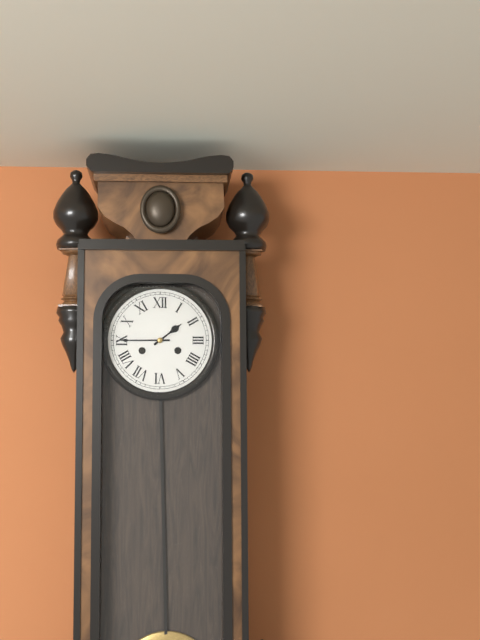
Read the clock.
1:45
